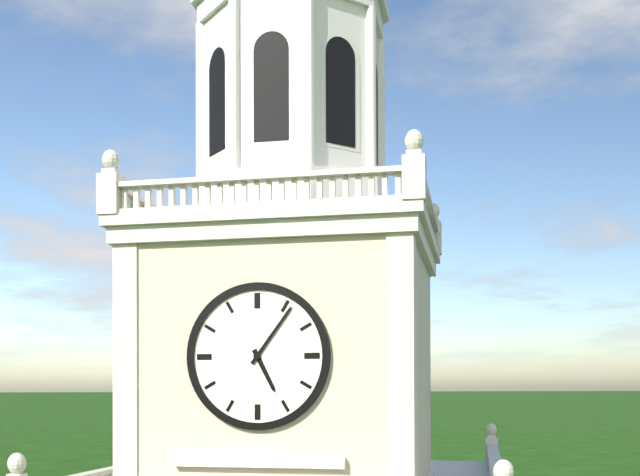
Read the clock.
5:06
